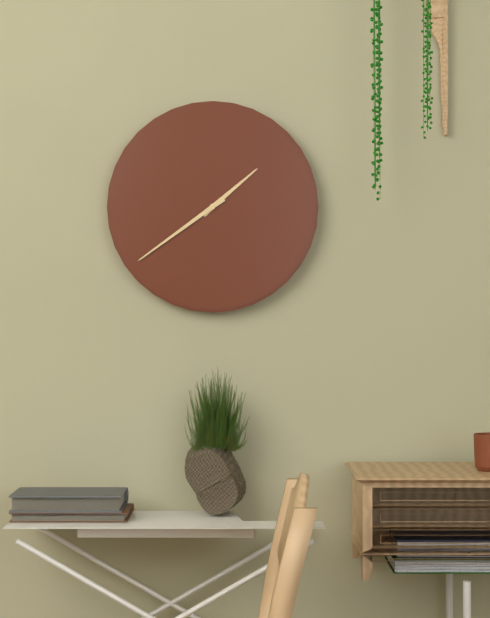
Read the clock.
1:39
